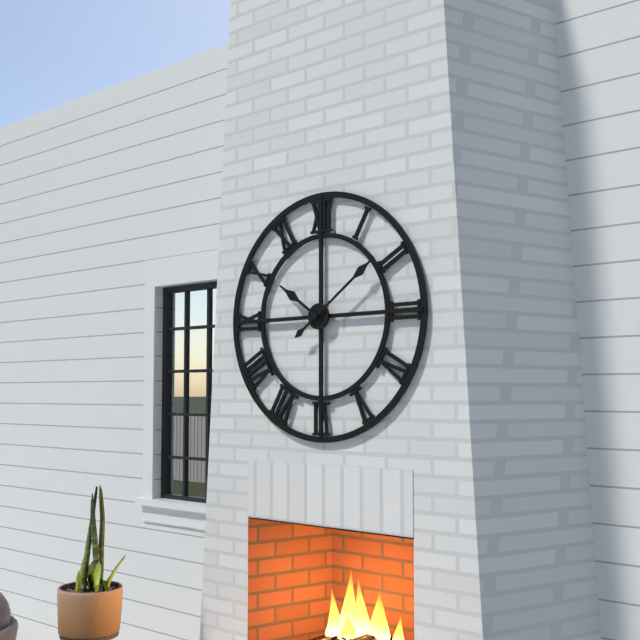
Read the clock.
10:09
